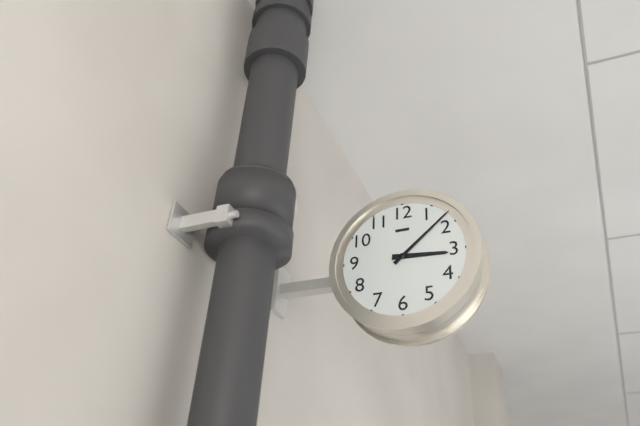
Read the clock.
3:08
